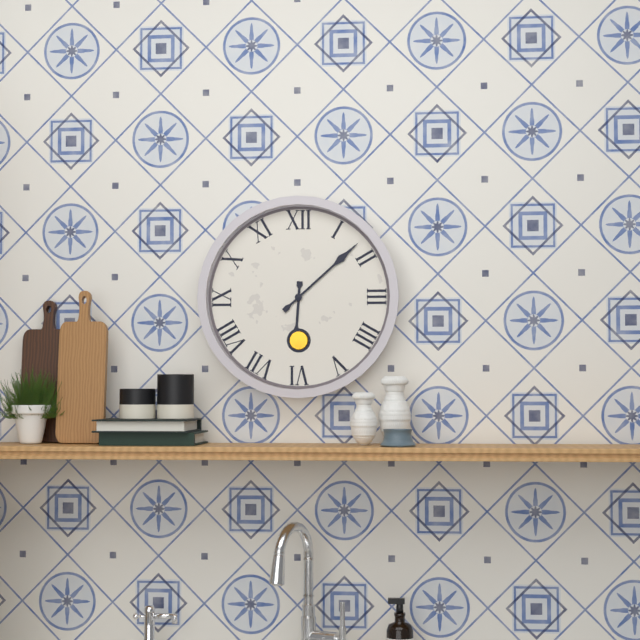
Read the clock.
6:08
